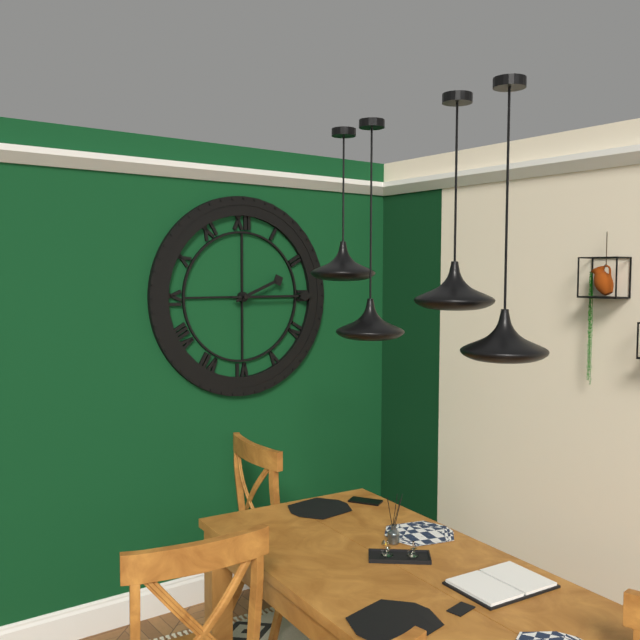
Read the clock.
2:15
